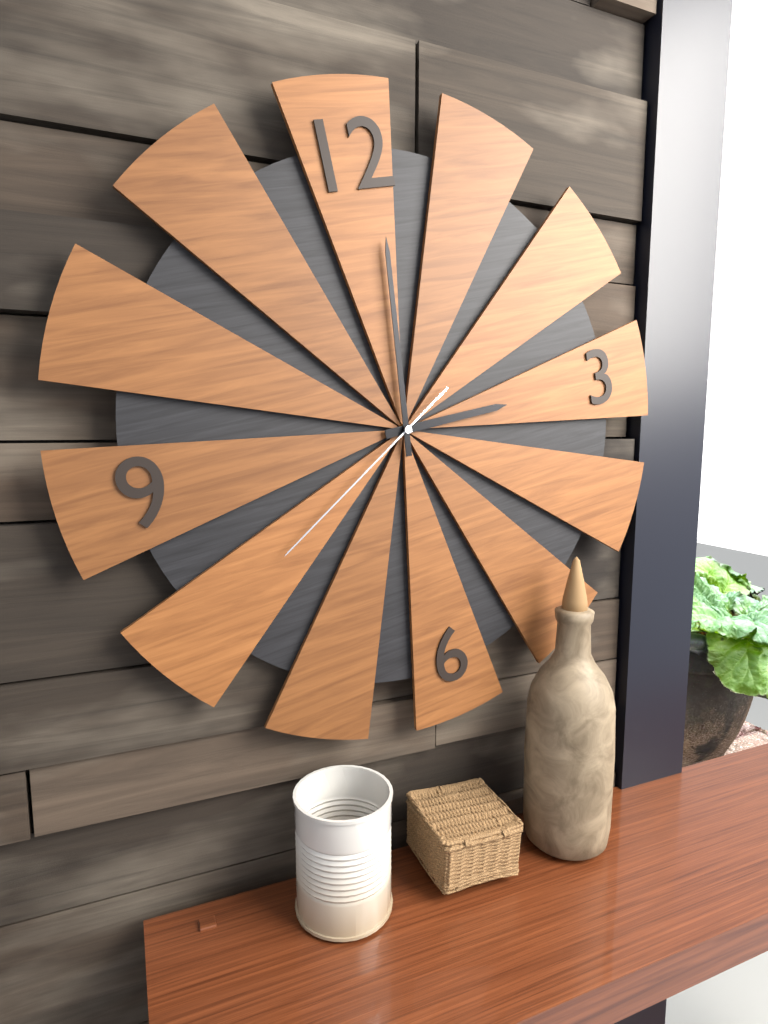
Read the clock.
3:01:40
